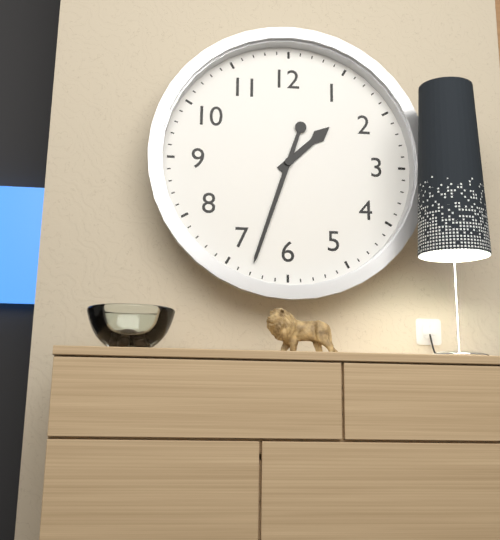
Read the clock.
1:33
